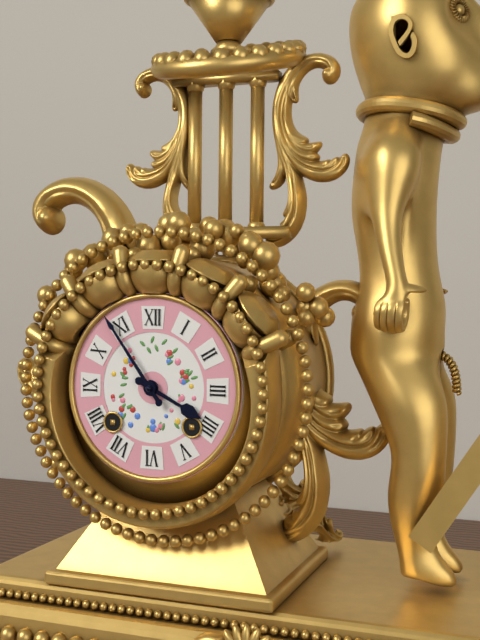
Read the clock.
3:54
